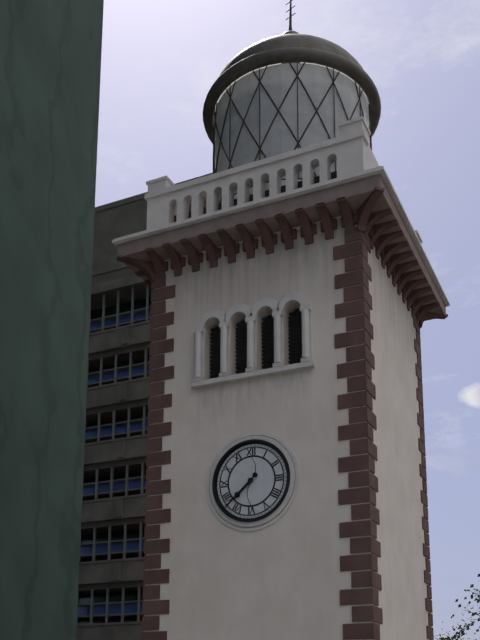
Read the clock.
7:38
